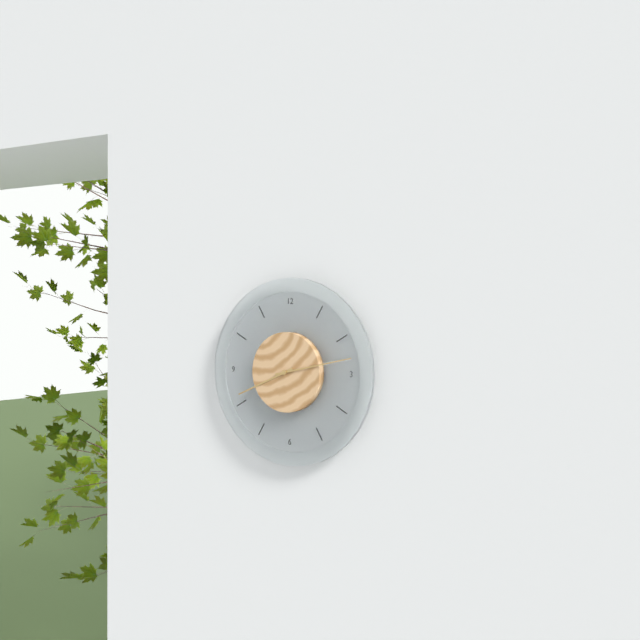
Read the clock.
8:13
